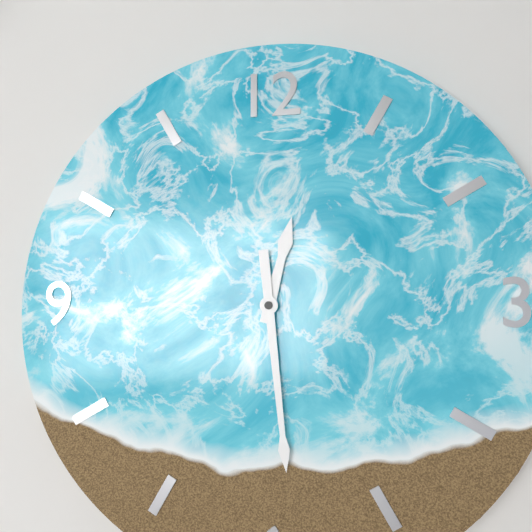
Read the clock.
12:29
